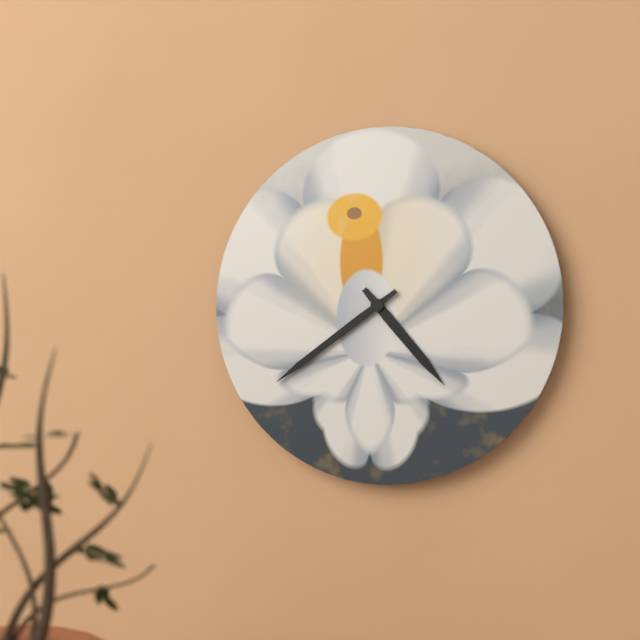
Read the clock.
4:39
